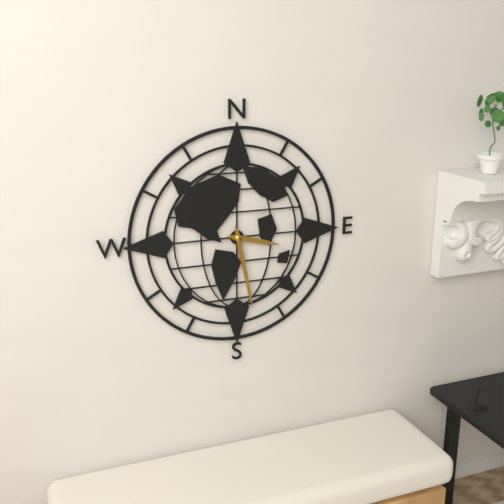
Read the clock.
3:28
